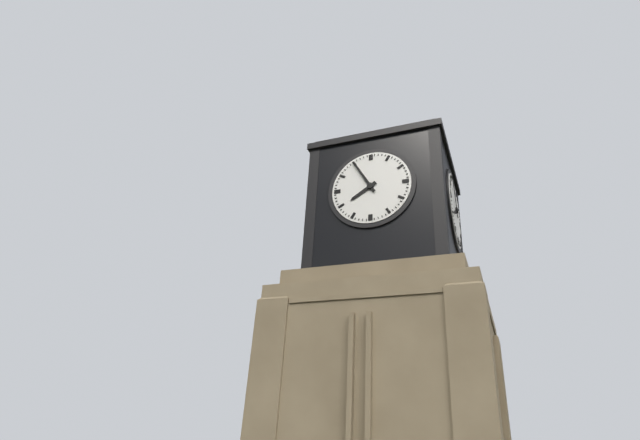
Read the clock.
7:55
